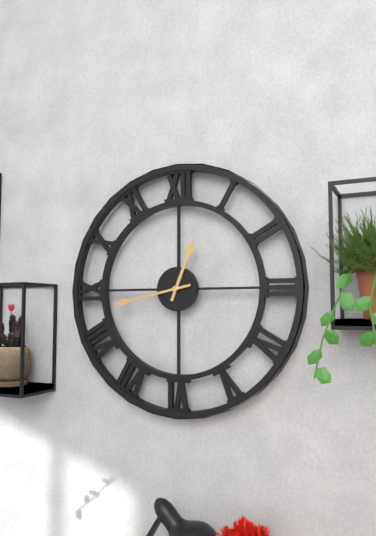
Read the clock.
12:43
